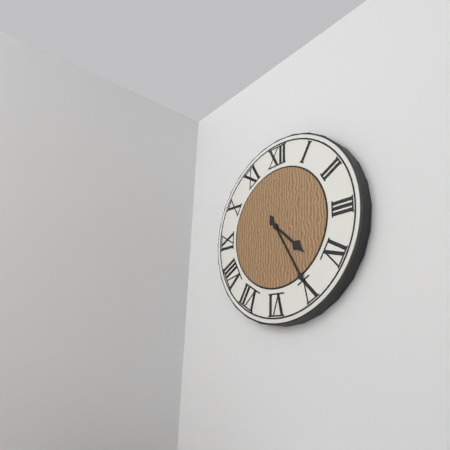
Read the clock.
4:25
